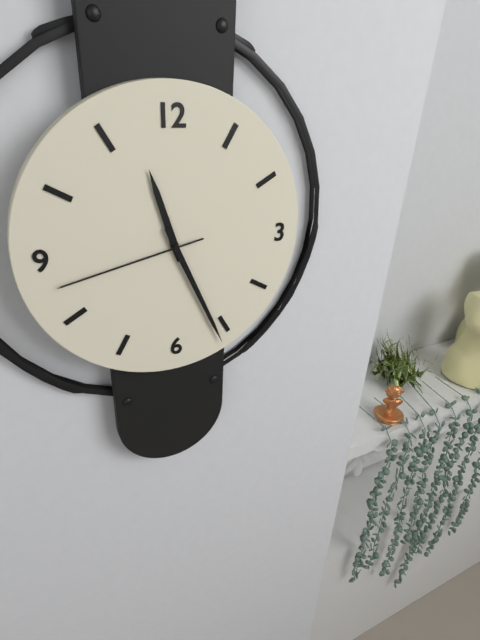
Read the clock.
11:26:43
